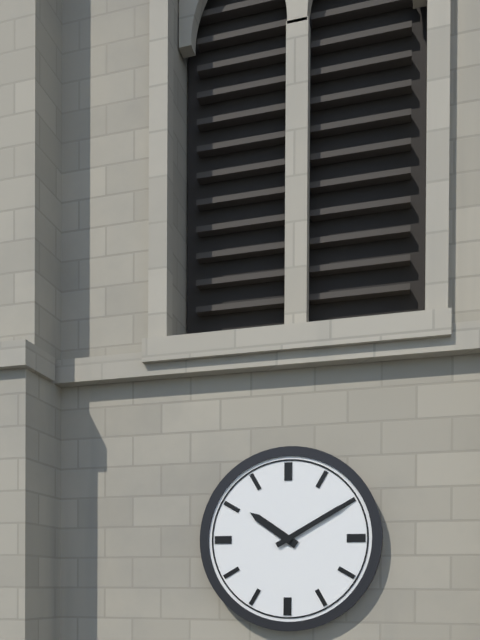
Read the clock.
10:10
